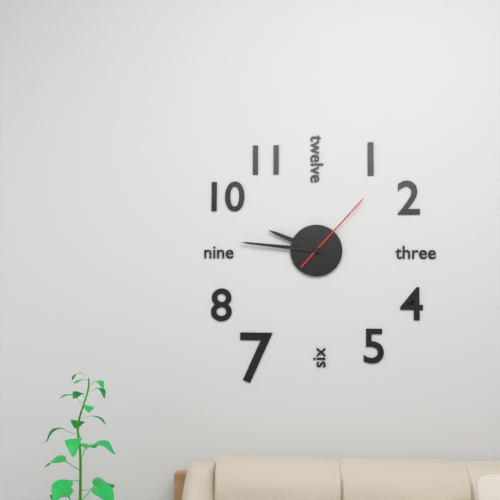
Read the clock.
9:46:07
